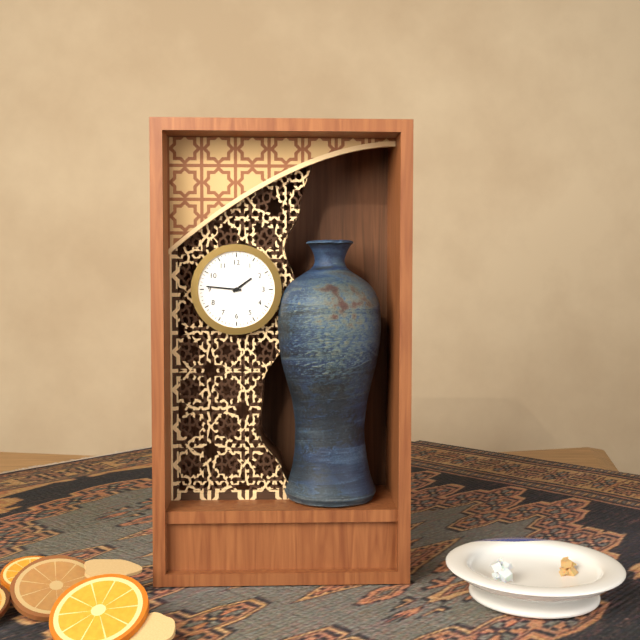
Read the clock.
1:46
